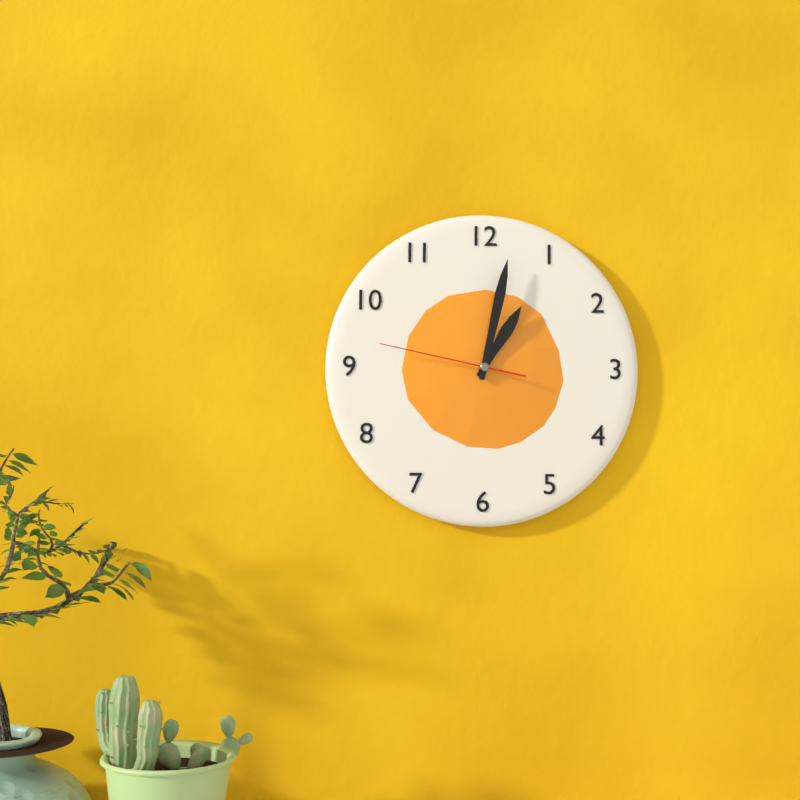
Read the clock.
1:02:47
